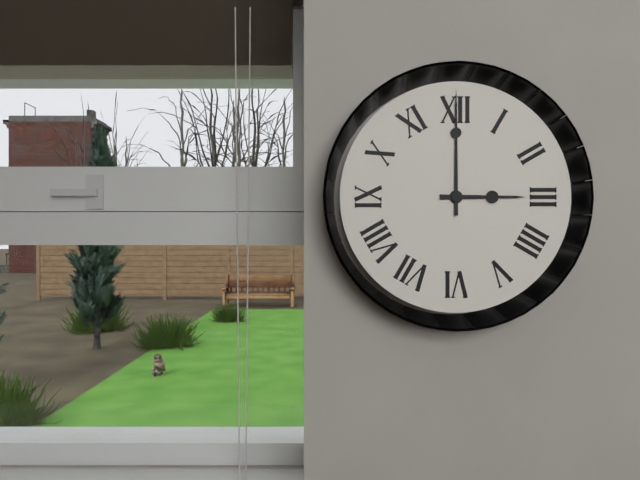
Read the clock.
3:00
